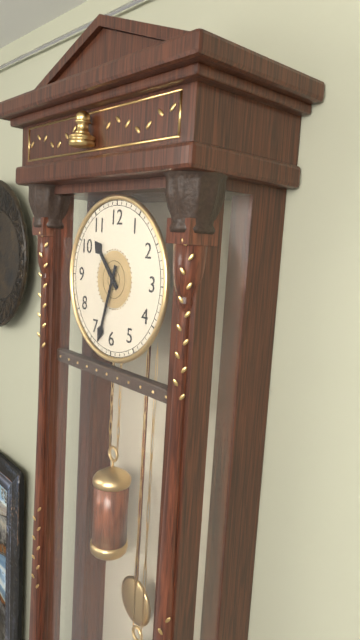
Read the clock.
10:33
